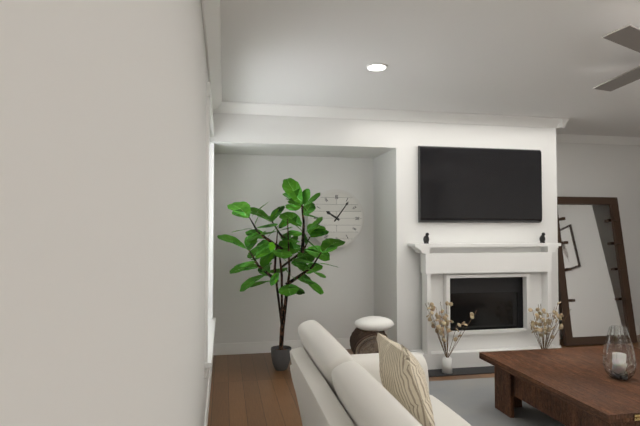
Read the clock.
10:06
